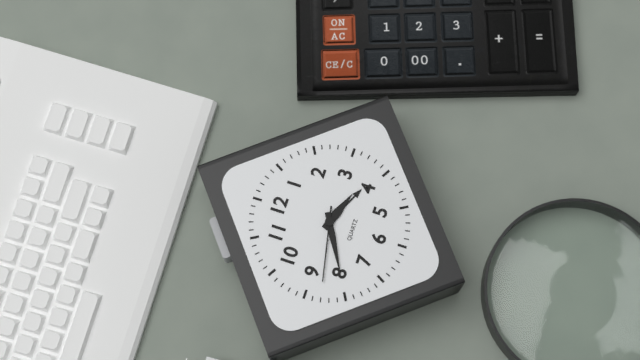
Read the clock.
3:40:43
